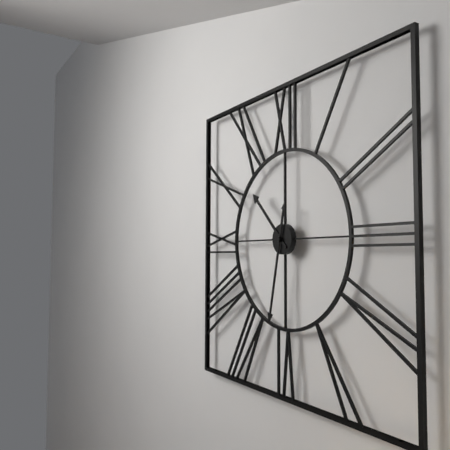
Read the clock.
10:32
